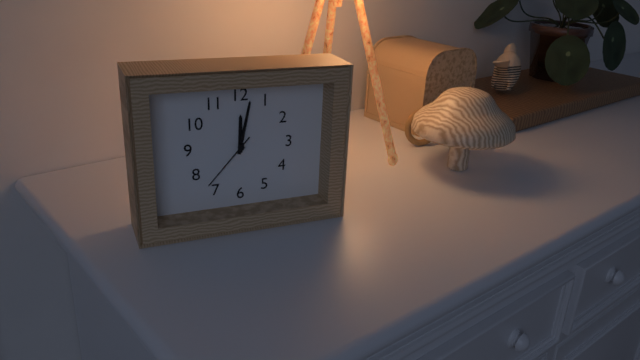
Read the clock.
12:02:37
